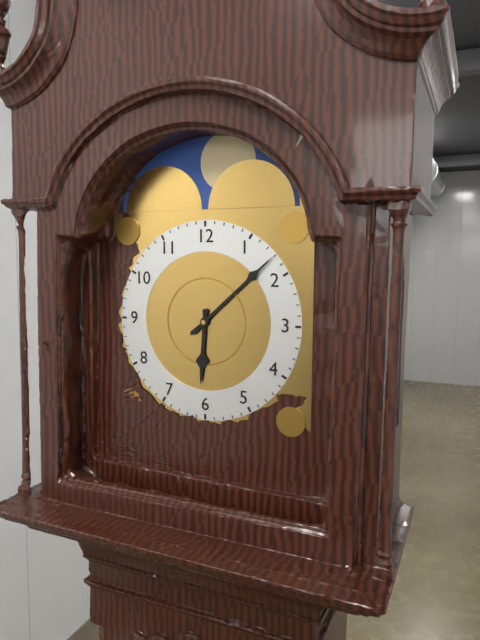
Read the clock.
6:08
